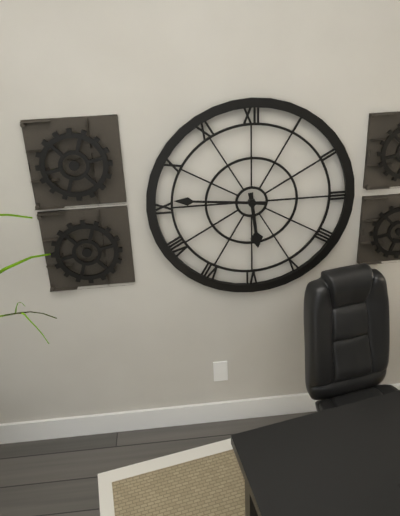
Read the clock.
5:46
